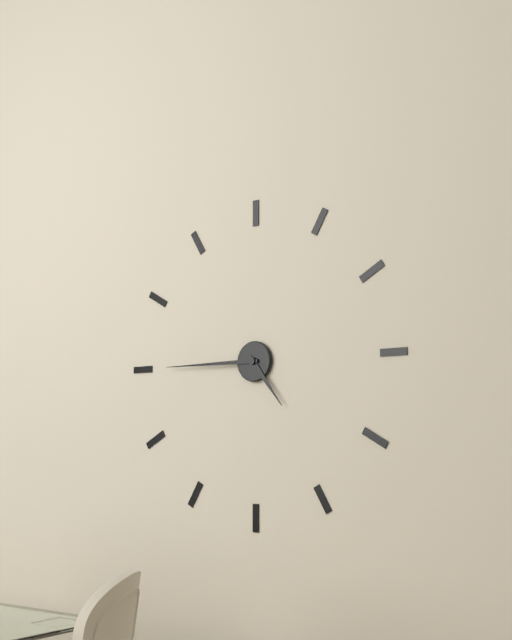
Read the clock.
4:45
